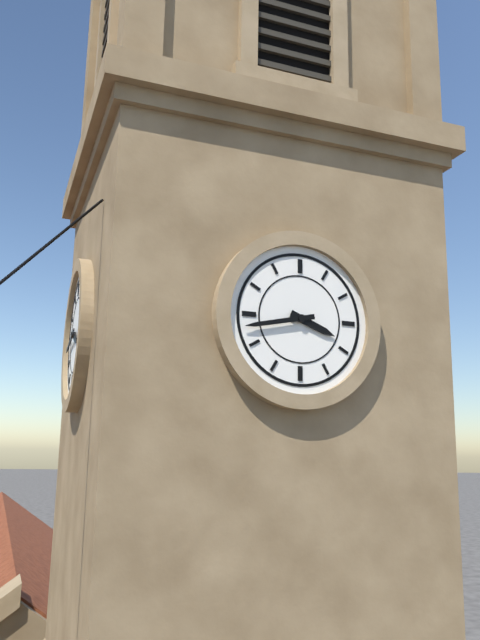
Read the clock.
3:43
